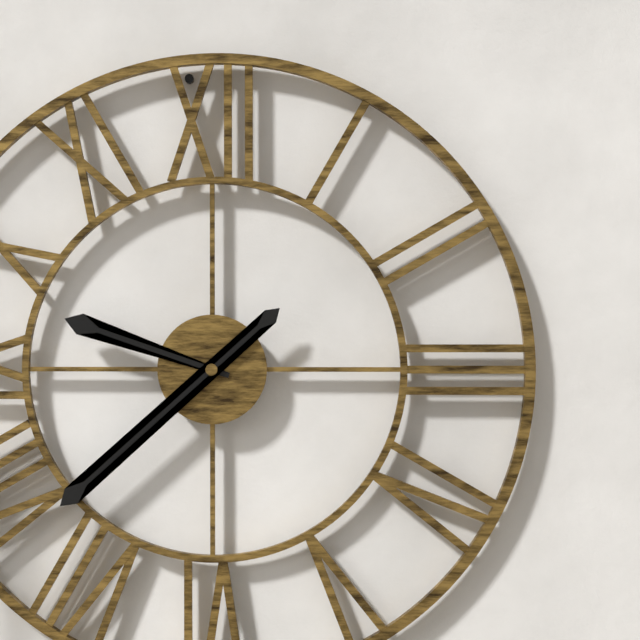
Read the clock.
9:38
